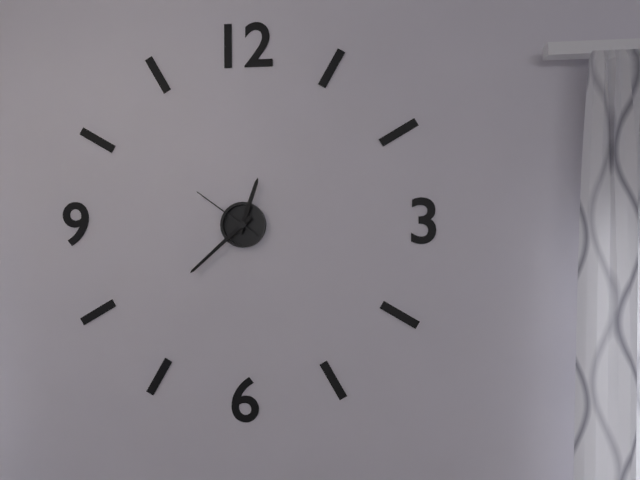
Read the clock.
12:38:51
